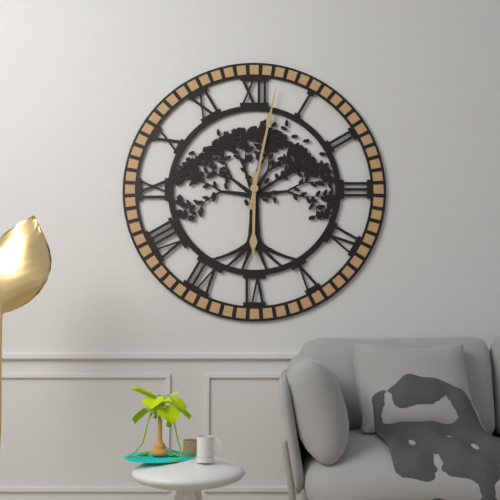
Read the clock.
6:02
